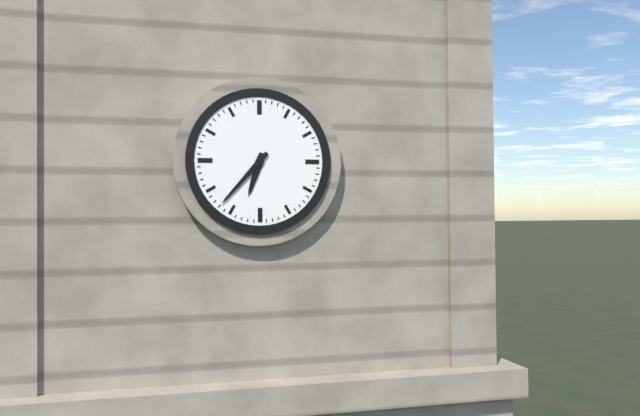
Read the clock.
6:37
